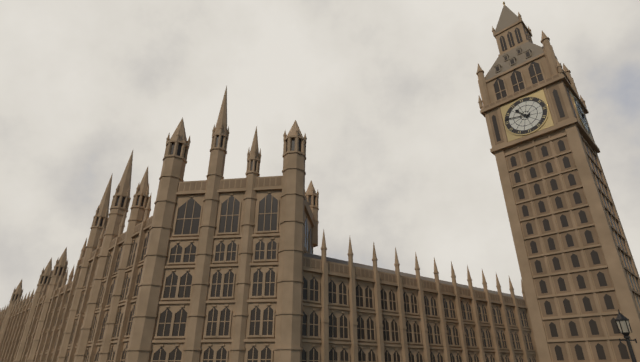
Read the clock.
10:47
